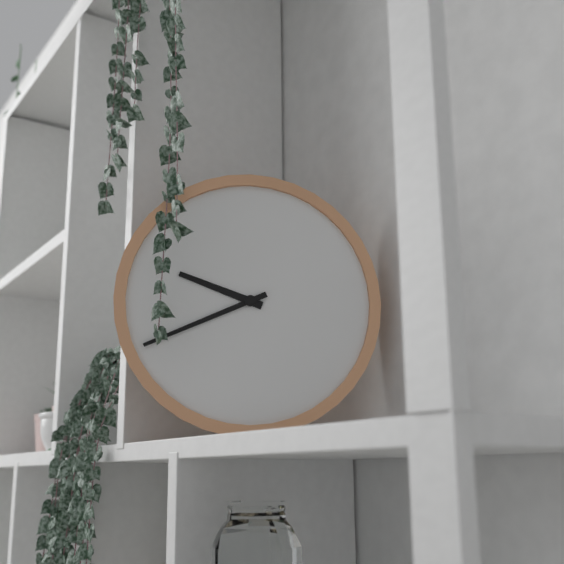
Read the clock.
9:41
